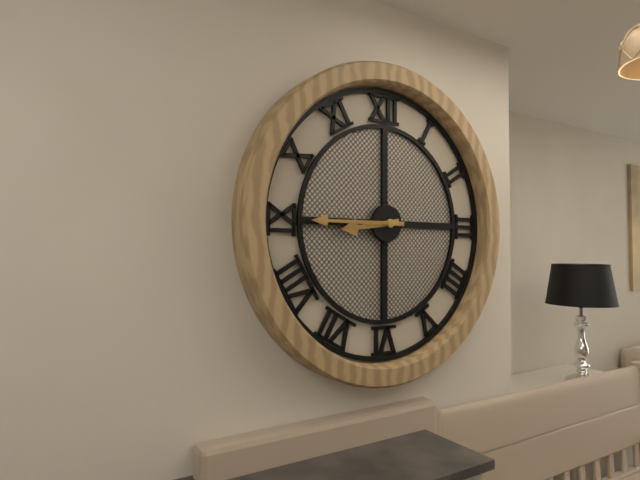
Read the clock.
8:45
